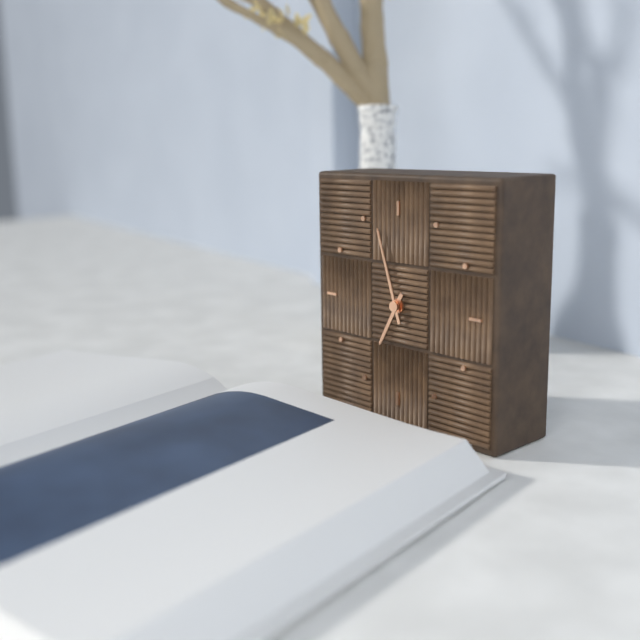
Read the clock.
6:57
